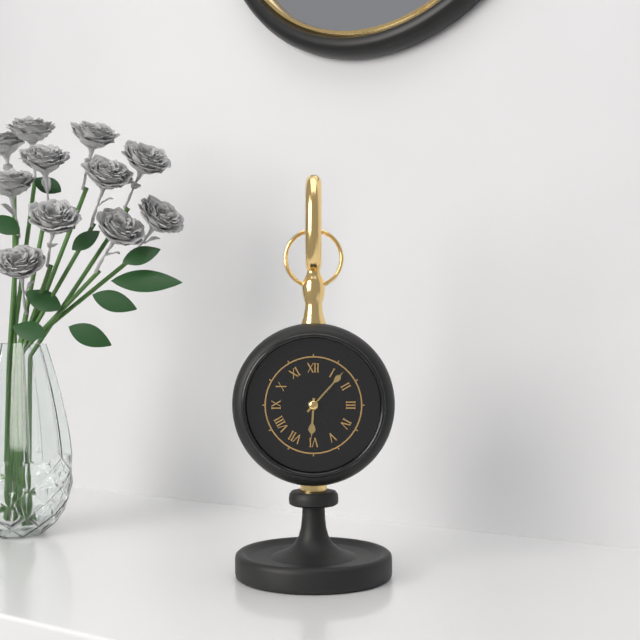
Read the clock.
6:07
